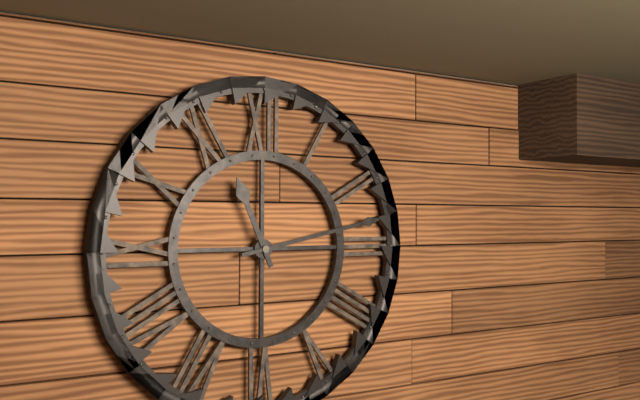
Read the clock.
11:13
